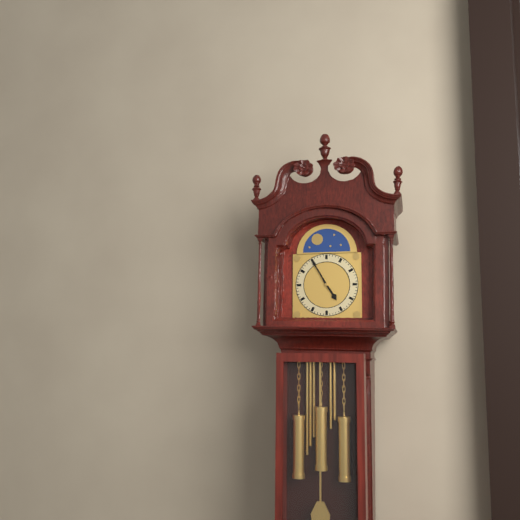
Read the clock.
4:55
